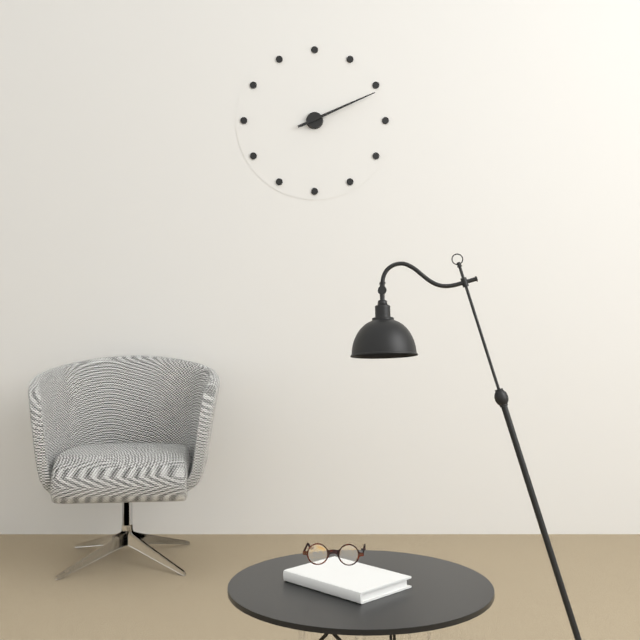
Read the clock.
2:11
